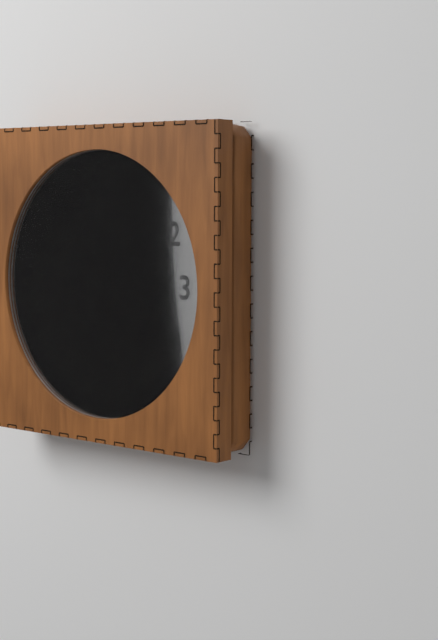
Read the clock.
8:58
